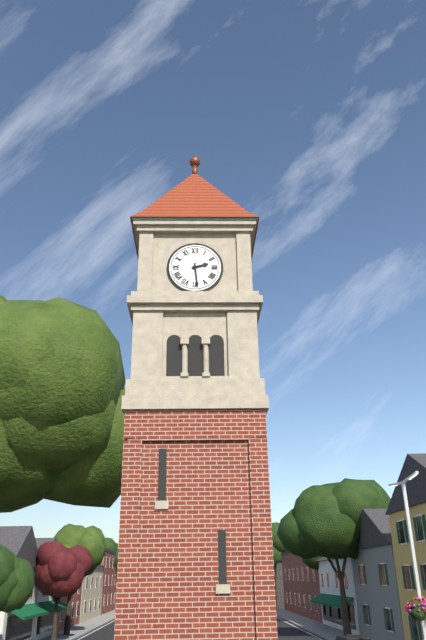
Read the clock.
2:29
